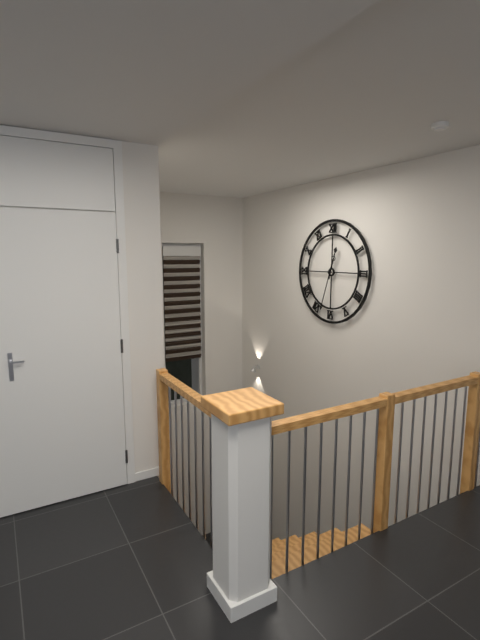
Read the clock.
12:33
